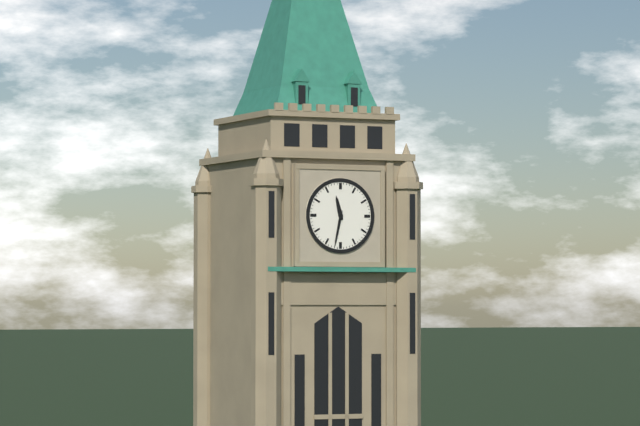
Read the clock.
11:32
